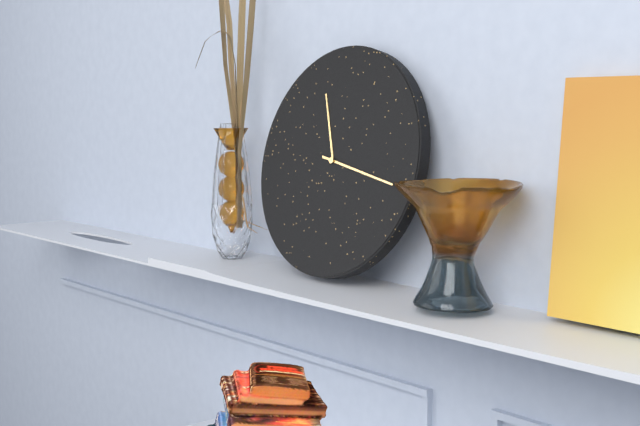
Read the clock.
11:17
